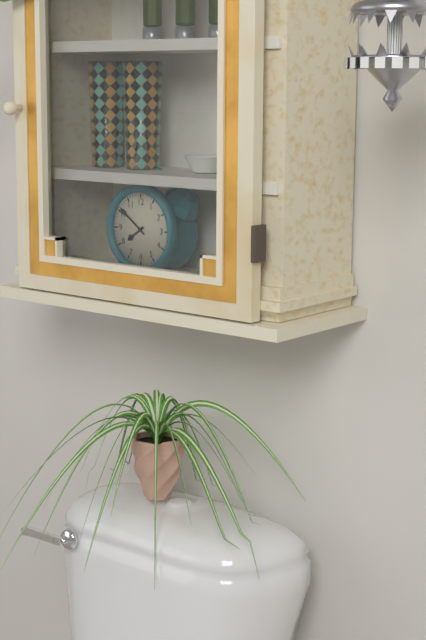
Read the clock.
7:51
